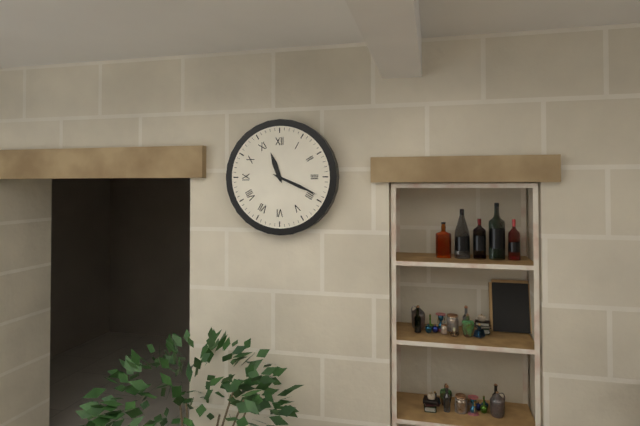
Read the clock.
11:19
